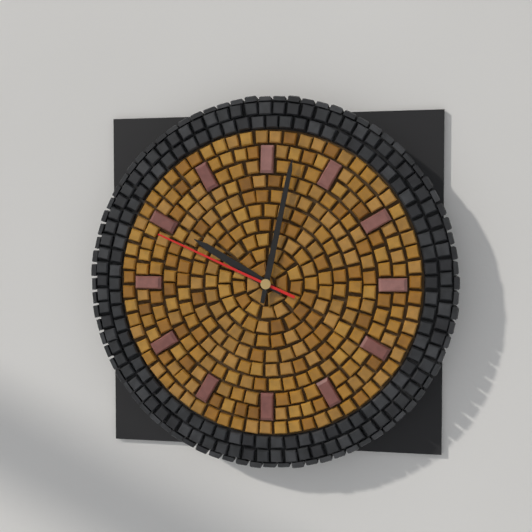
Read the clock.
10:02:49
